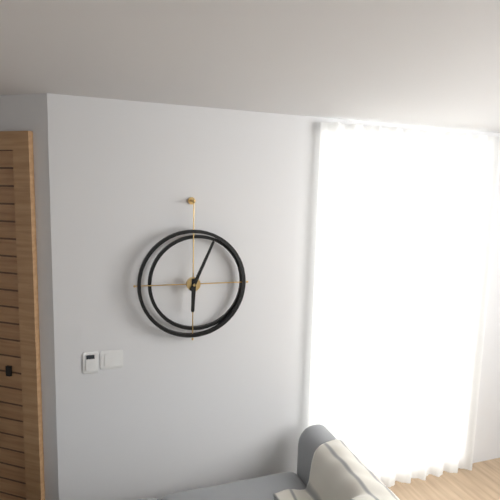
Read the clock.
6:04
